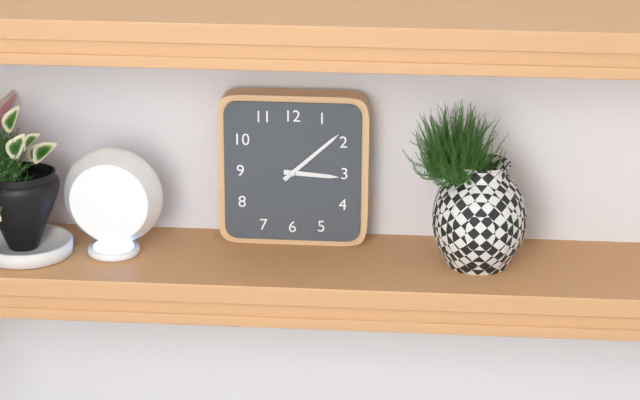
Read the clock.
3:08
